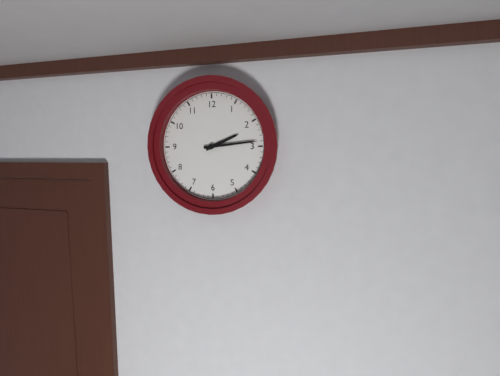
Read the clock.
2:14
